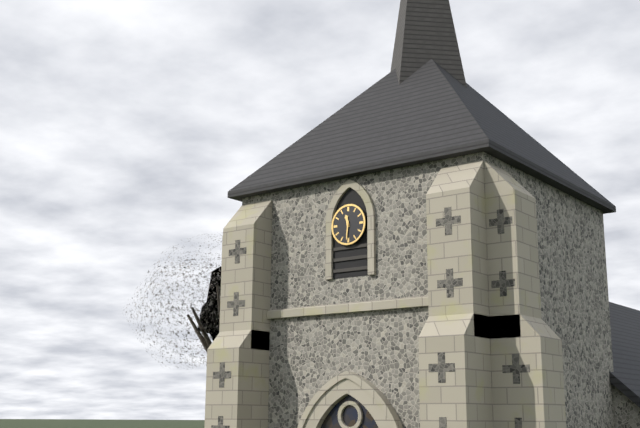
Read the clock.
11:31
